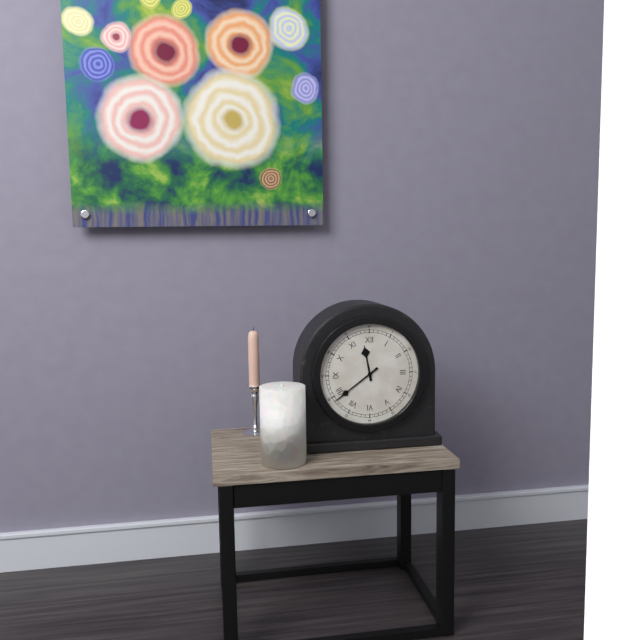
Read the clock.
11:39
